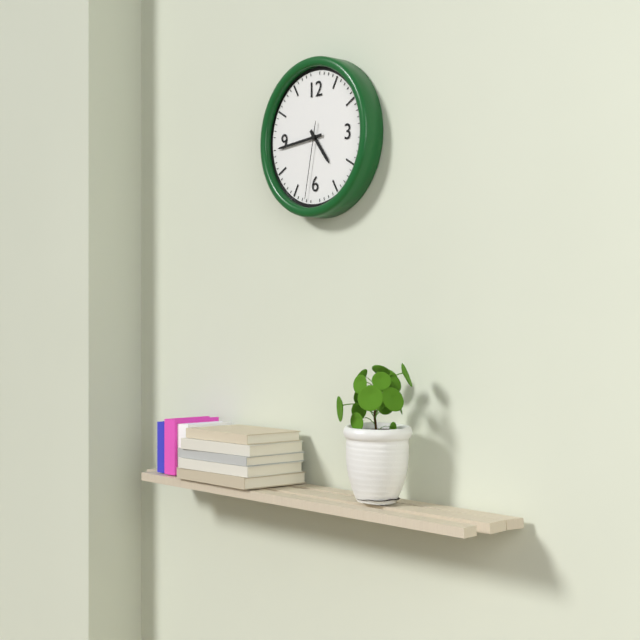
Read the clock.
4:44:32
